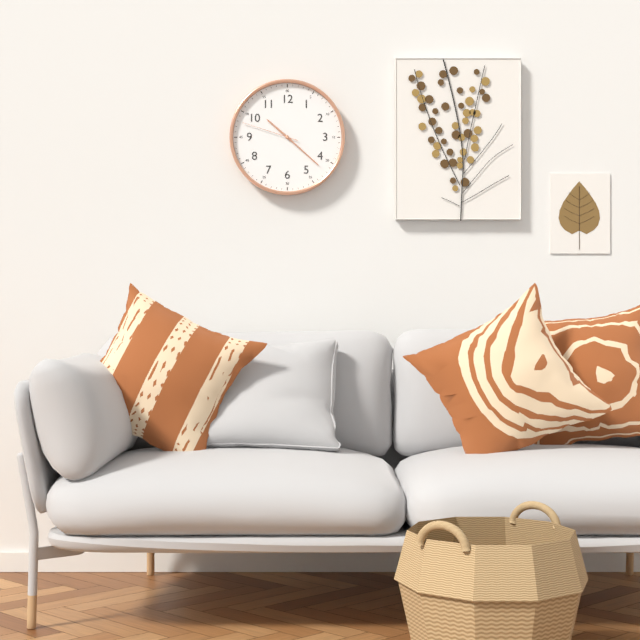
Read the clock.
10:22:48
